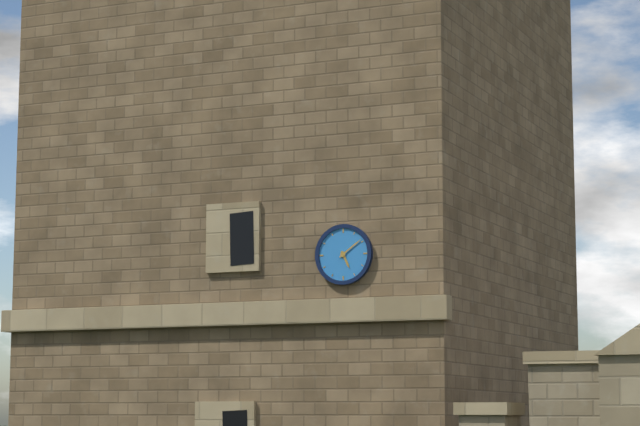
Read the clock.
5:09
